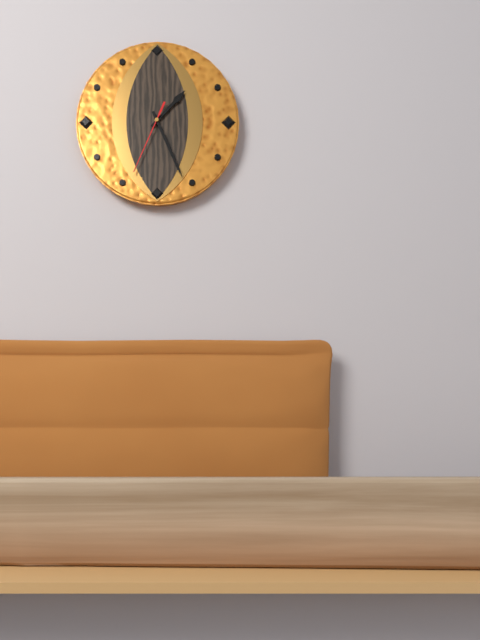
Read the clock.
1:26:34
